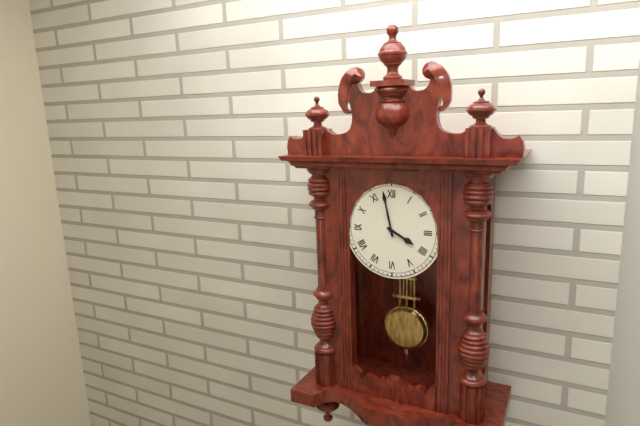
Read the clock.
3:58
